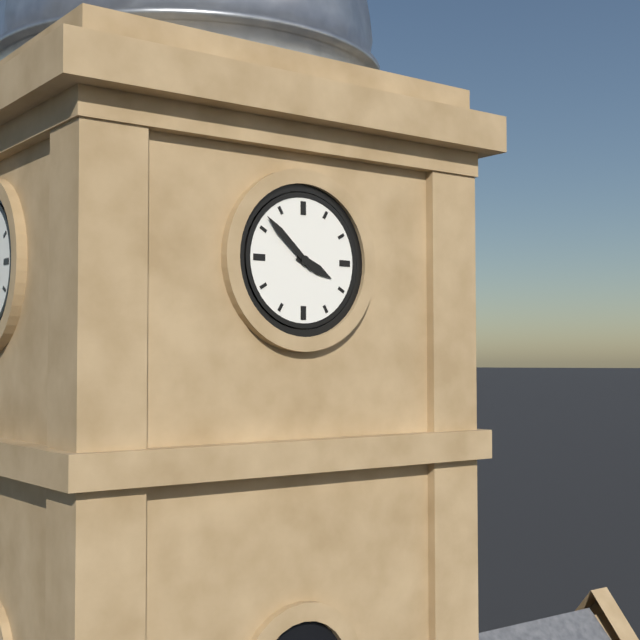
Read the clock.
3:52
